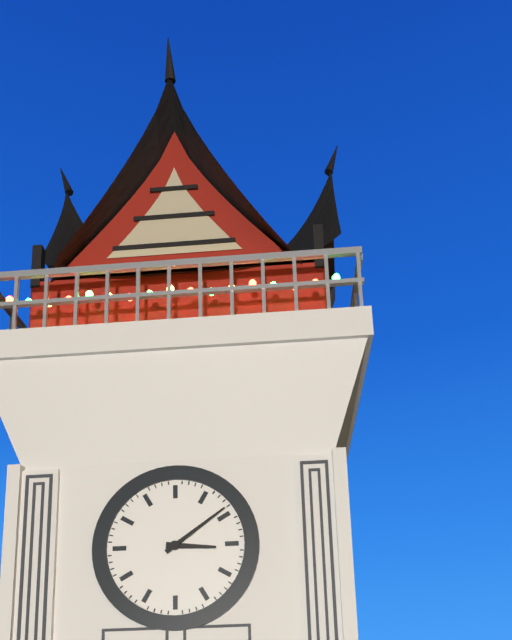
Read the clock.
3:09
